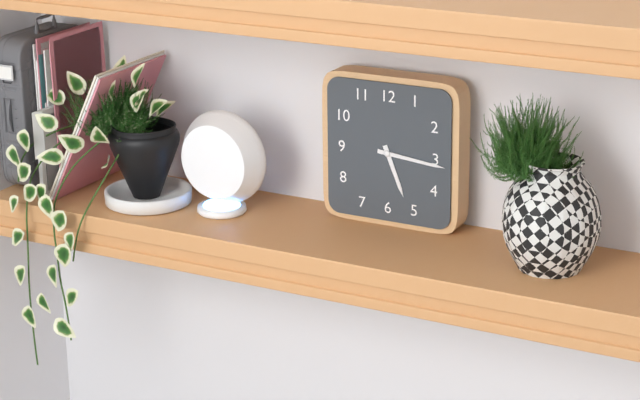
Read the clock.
5:16
